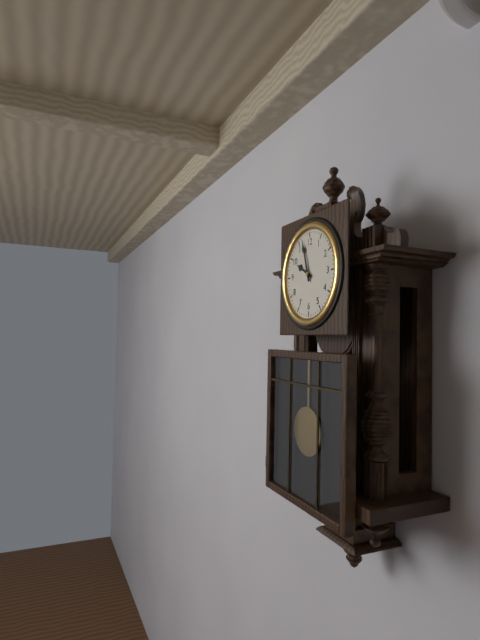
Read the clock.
9:57
